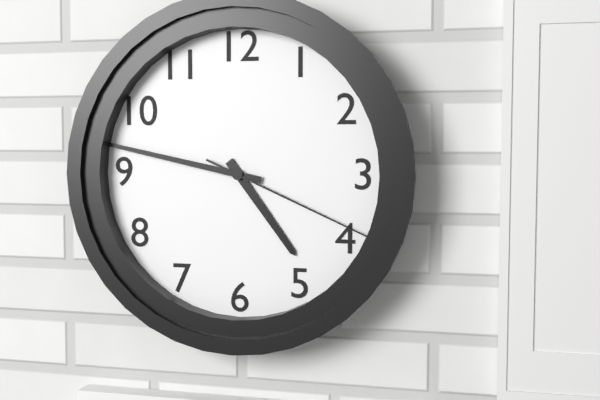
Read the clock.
4:47:19
